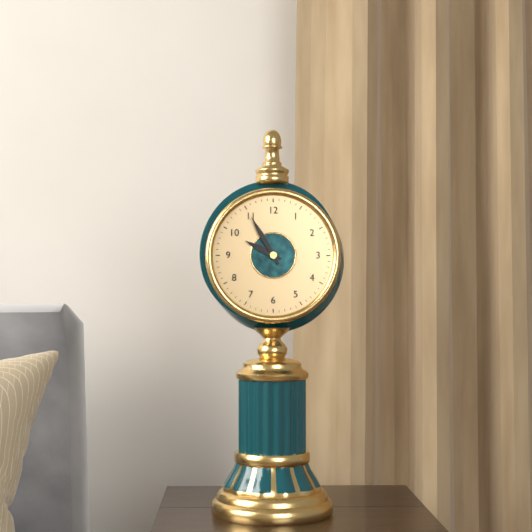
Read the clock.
9:55
